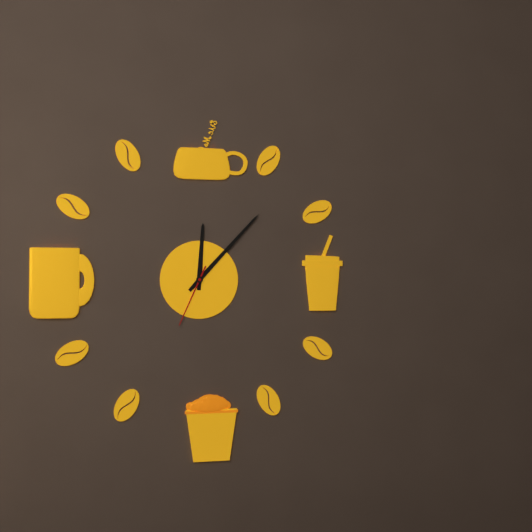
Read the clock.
12:07:34
